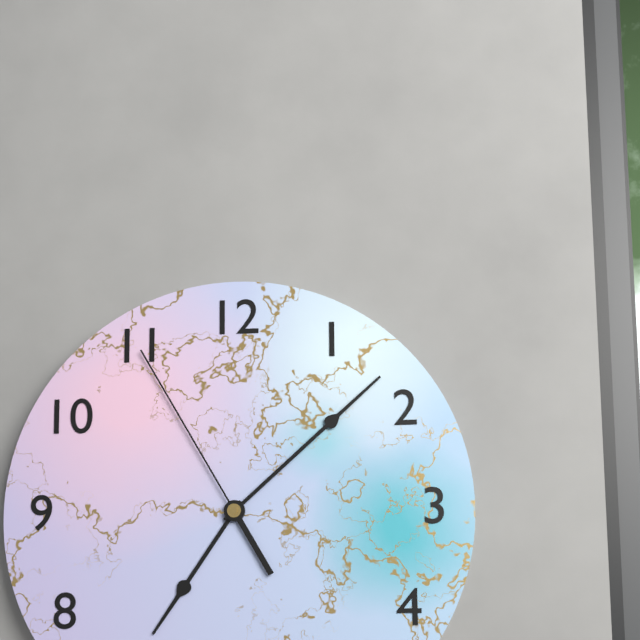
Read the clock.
7:08:55
